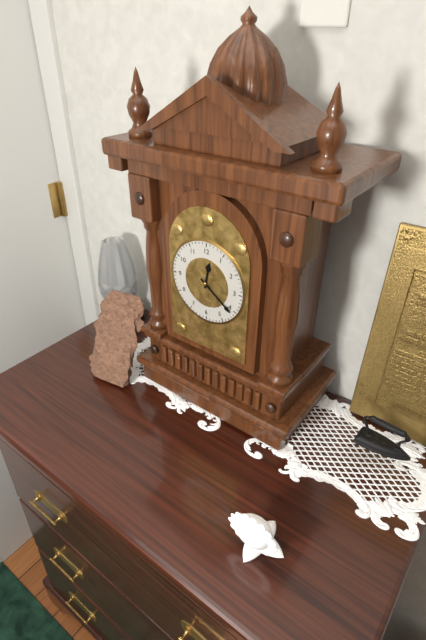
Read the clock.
12:21
